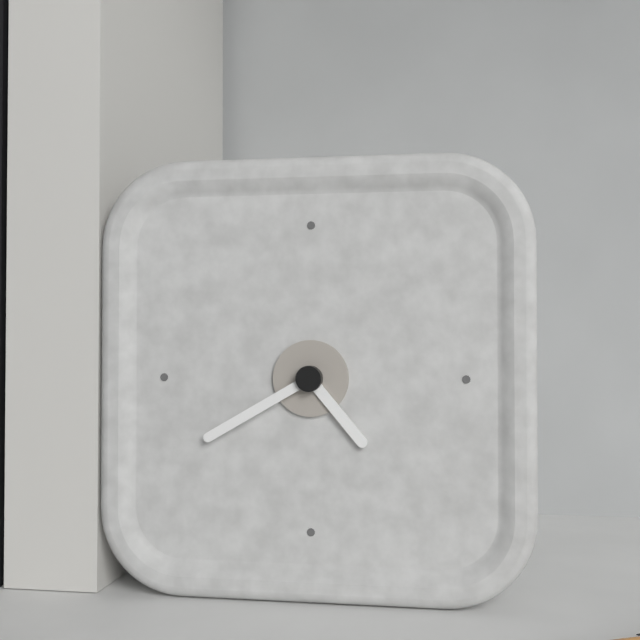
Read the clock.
4:40
